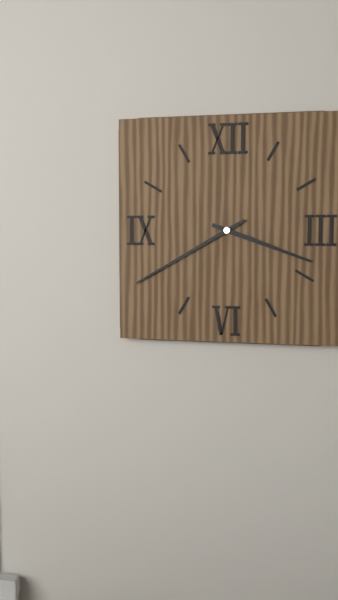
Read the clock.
3:40
